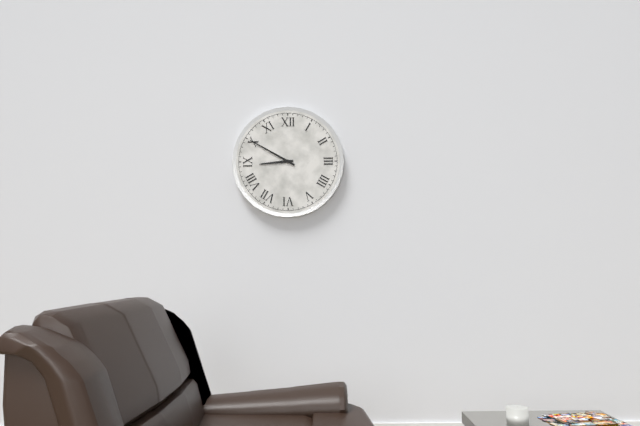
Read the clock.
8:50
